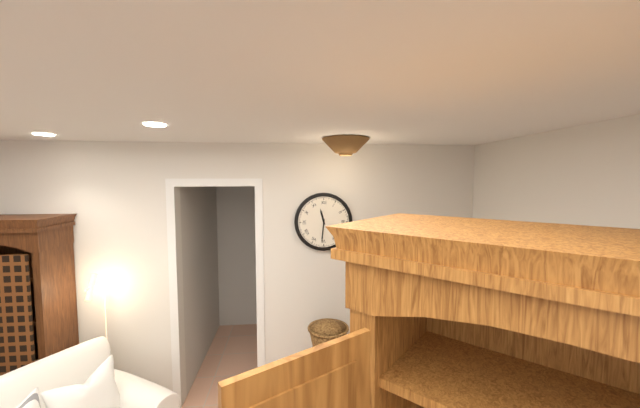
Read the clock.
11:31
